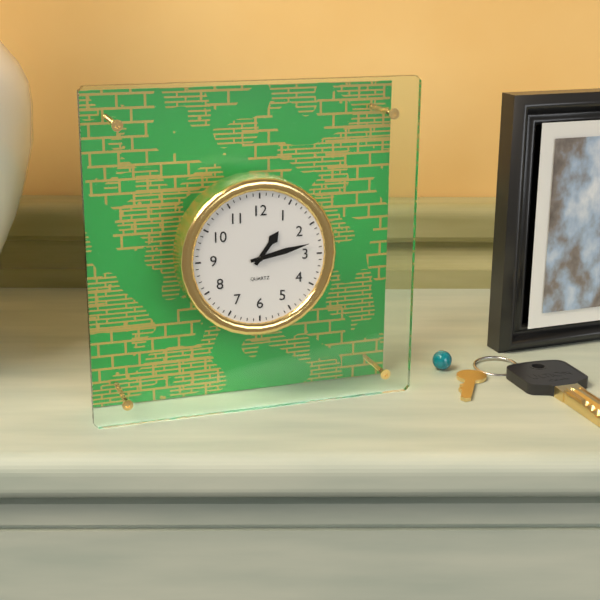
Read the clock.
1:13
